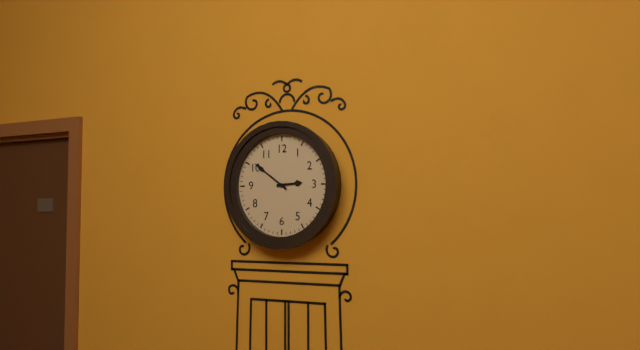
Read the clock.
2:51
